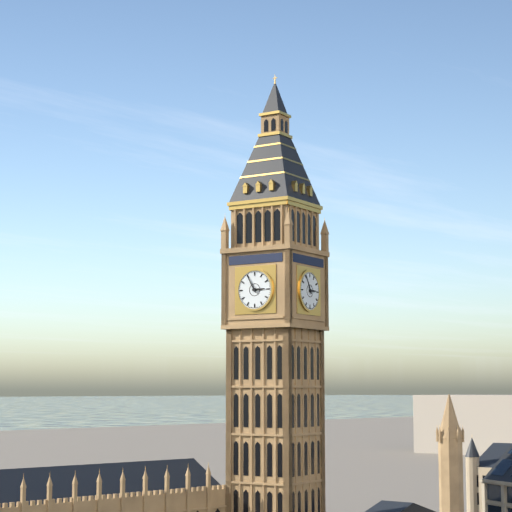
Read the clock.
2:55
